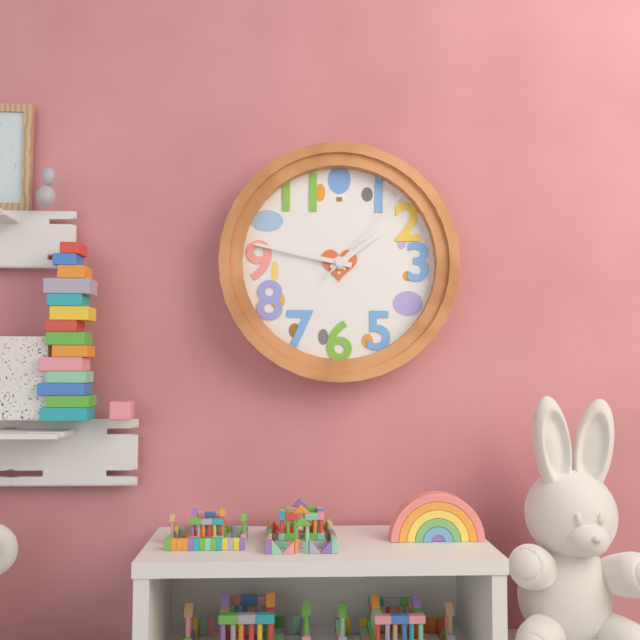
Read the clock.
1:47:07
